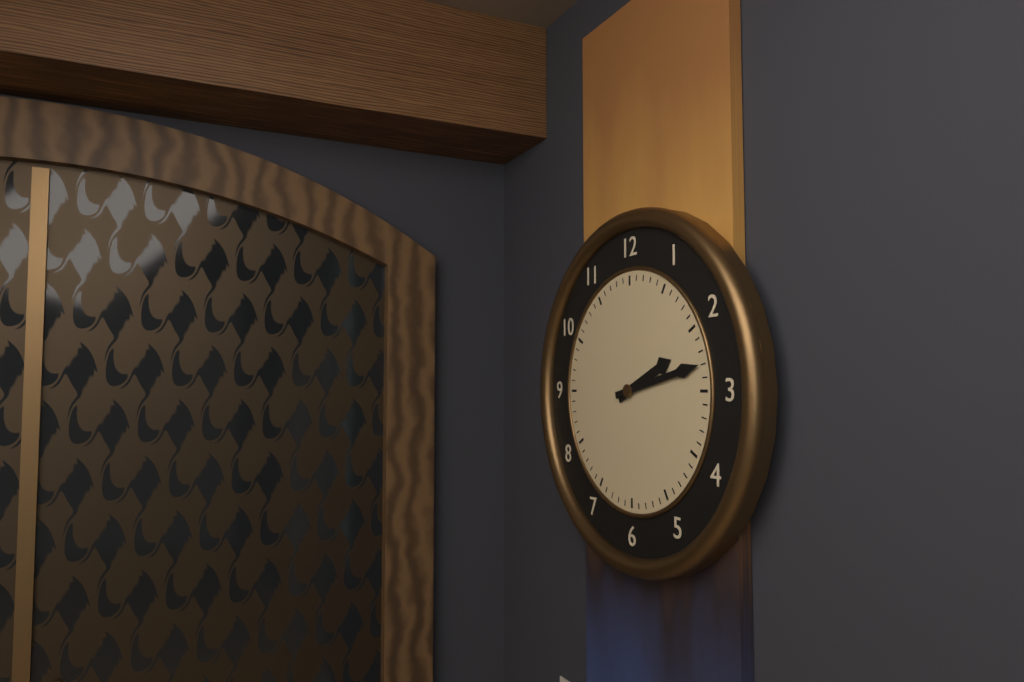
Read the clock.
2:13
